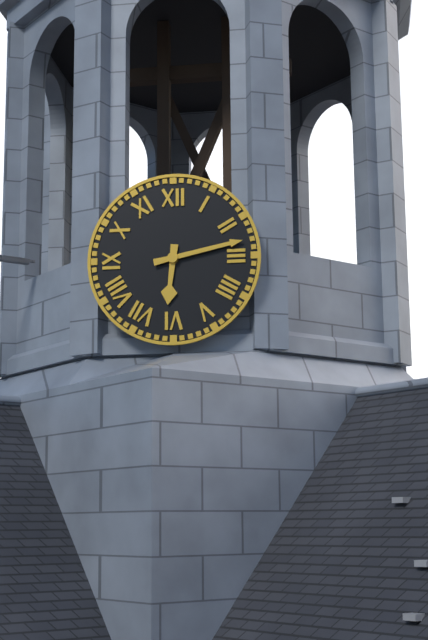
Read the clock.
6:13
